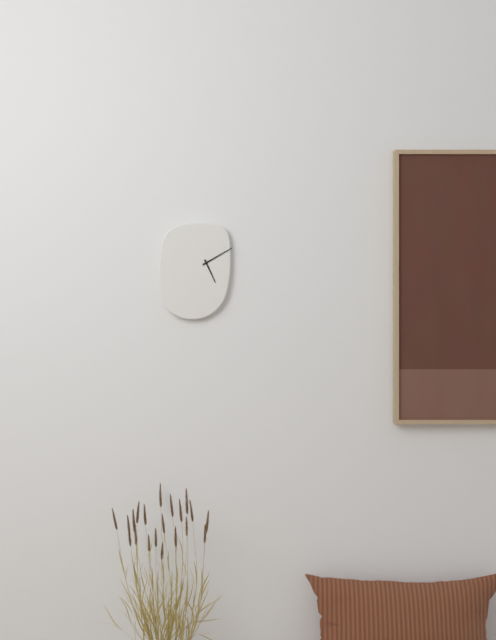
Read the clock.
5:10
